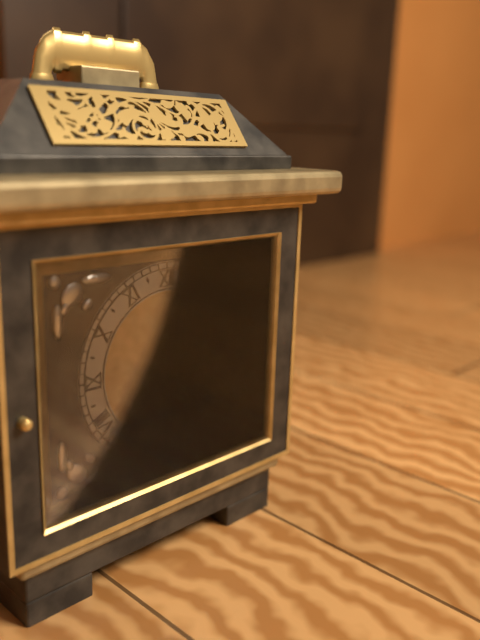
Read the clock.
3:08
